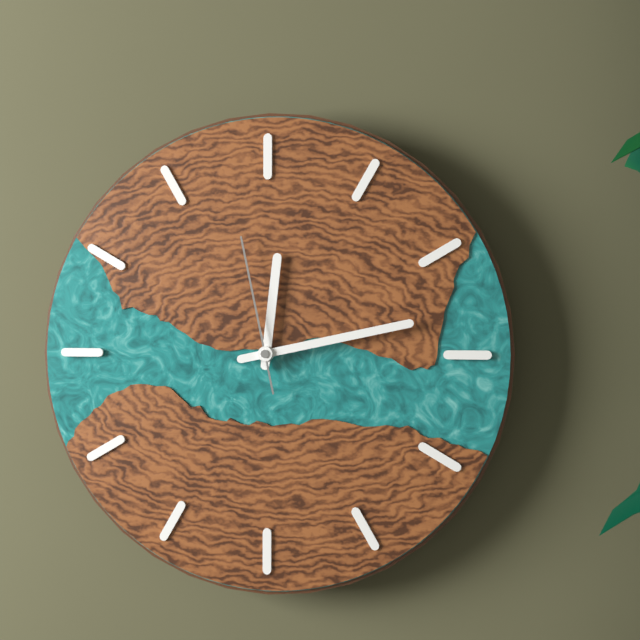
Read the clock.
12:13:58
